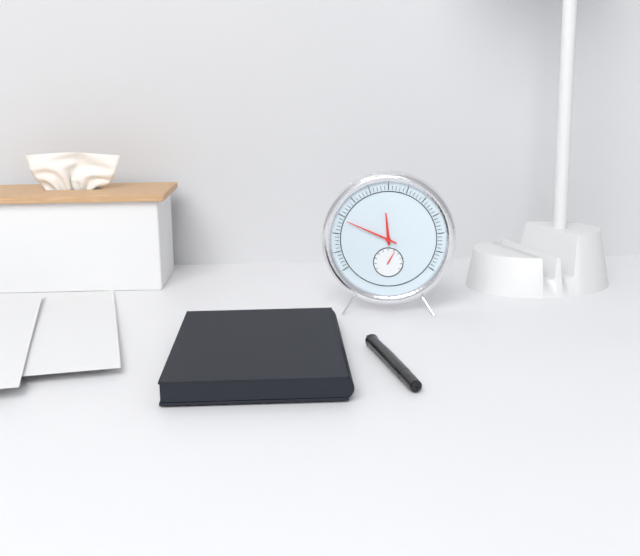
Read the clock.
11:49
